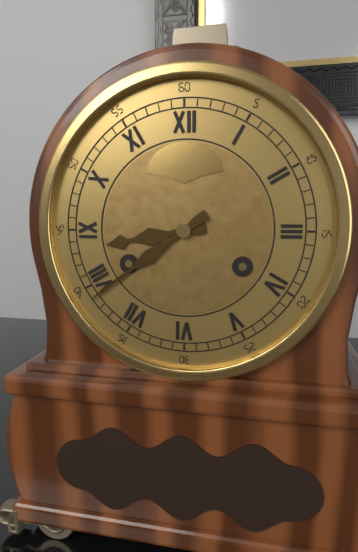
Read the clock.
8:39
